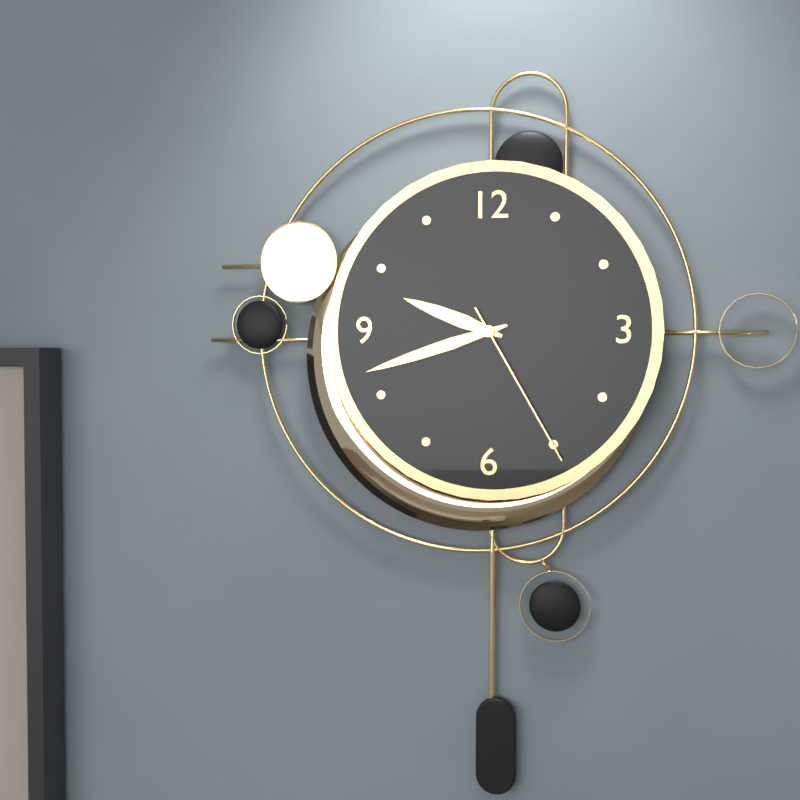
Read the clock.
9:42:25
